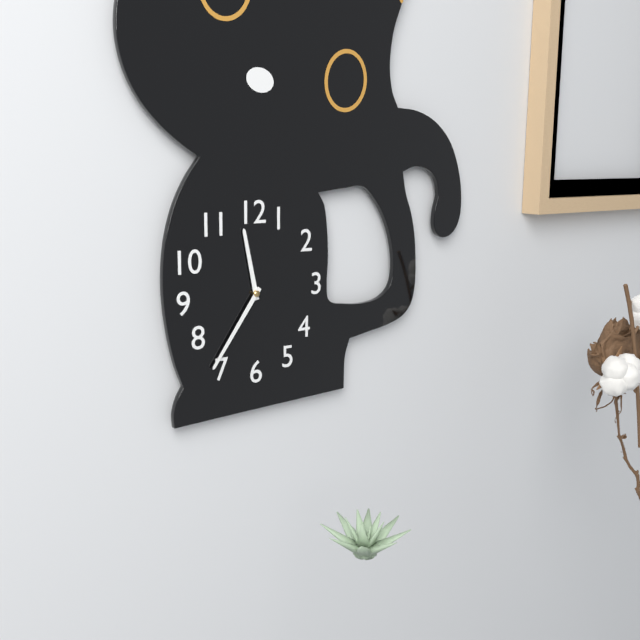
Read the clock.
11:36
